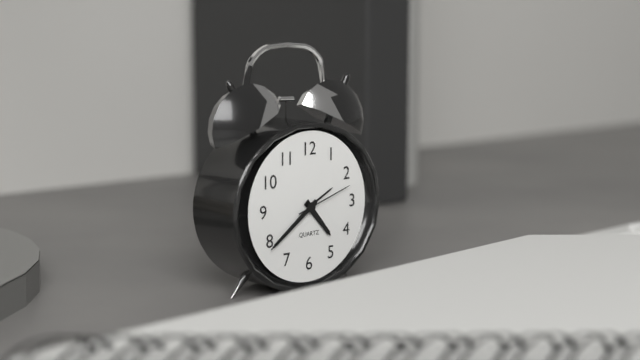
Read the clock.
4:39:12
